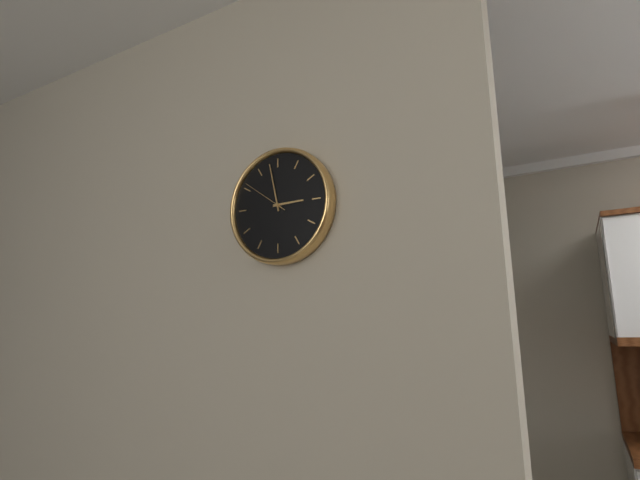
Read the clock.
2:58:51
